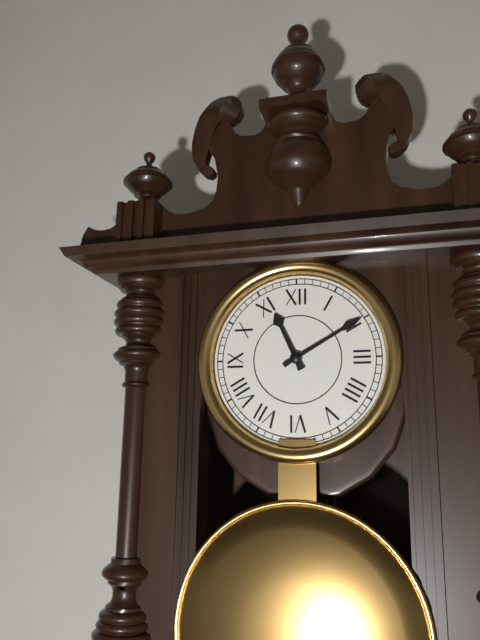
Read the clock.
11:10
